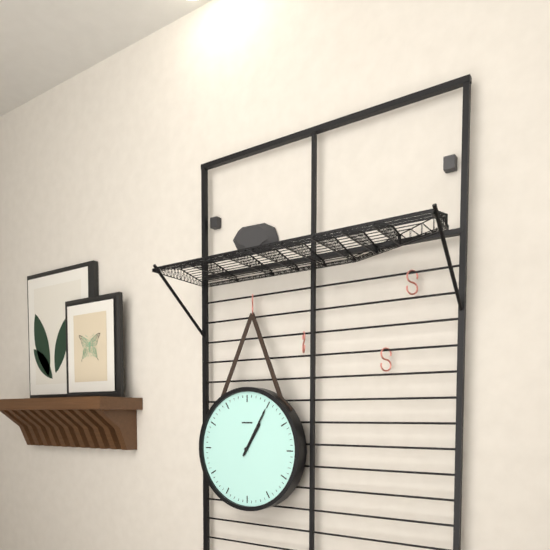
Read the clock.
1:05
